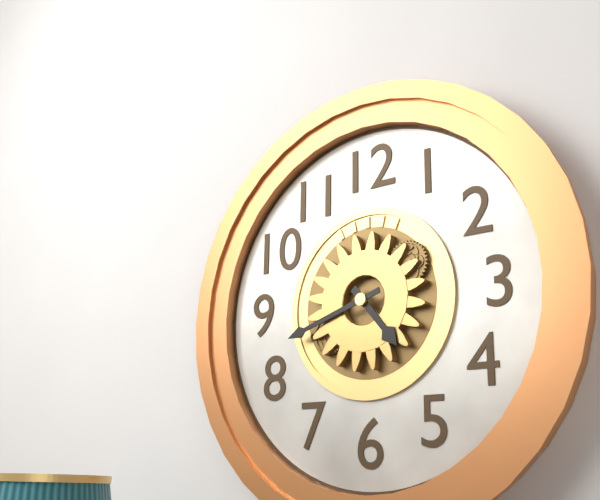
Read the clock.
4:42
